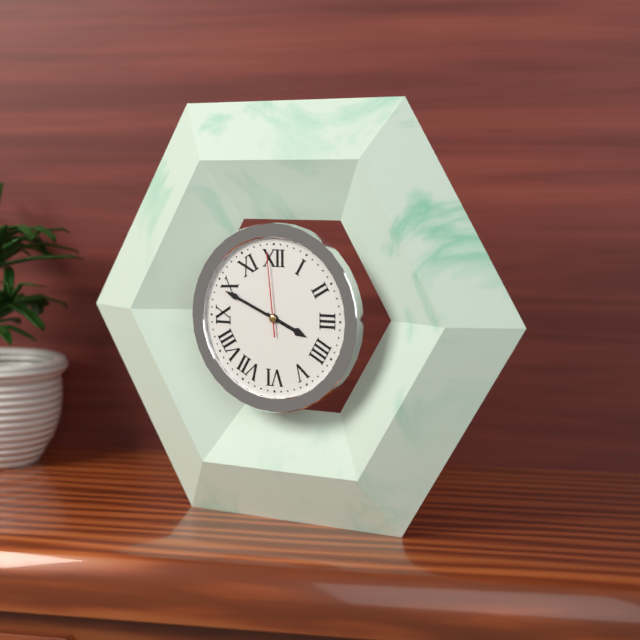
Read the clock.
3:49:59
